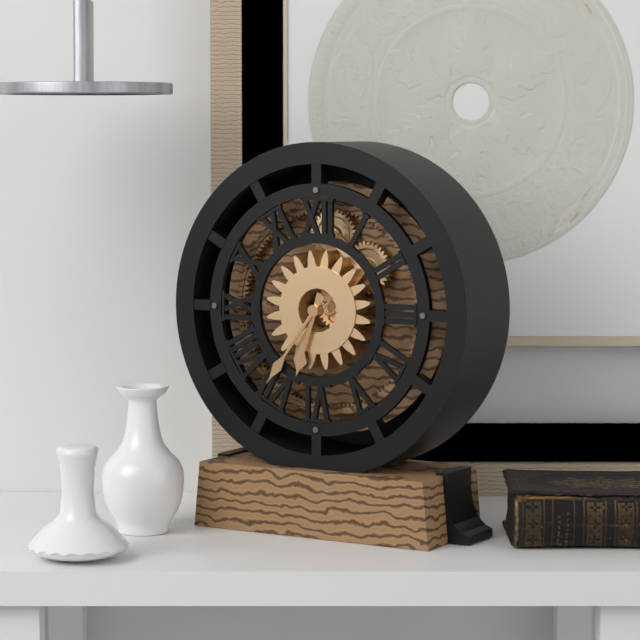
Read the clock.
6:36
